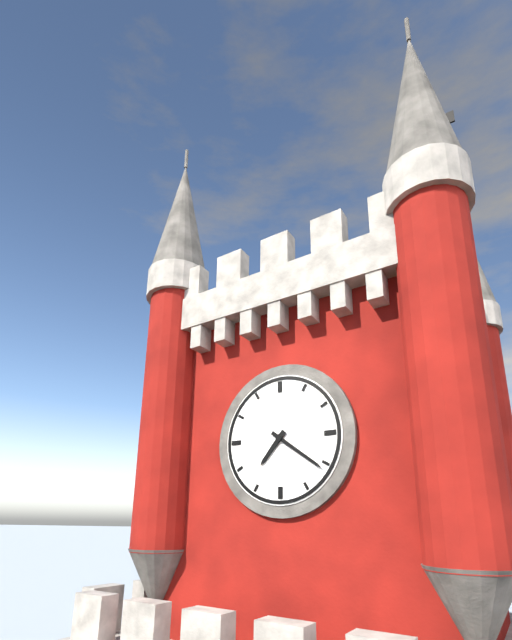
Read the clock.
7:21
